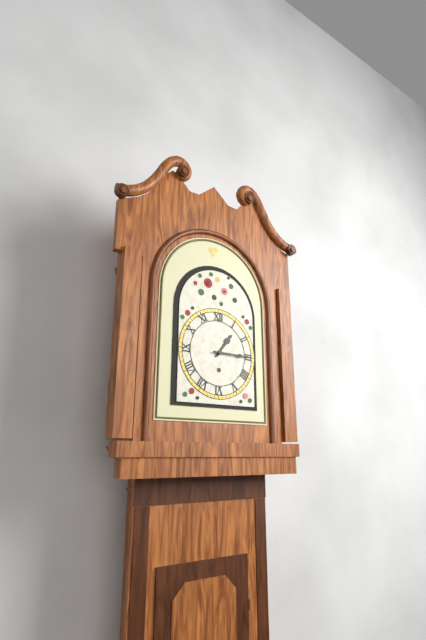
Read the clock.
1:15
